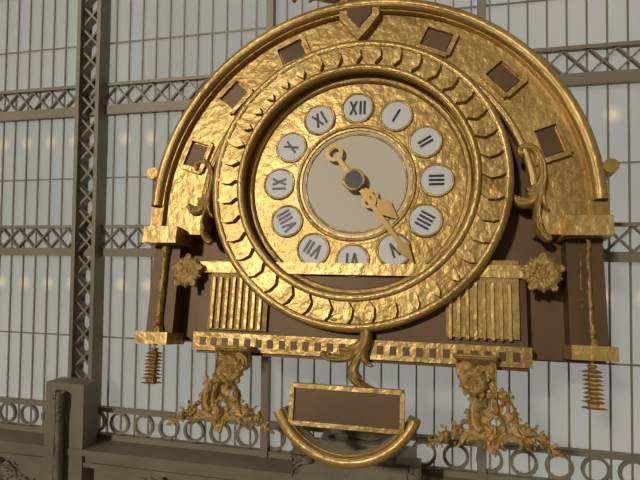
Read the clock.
4:24
